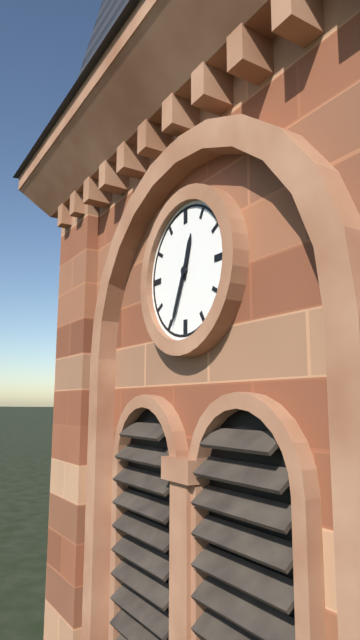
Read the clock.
12:34
